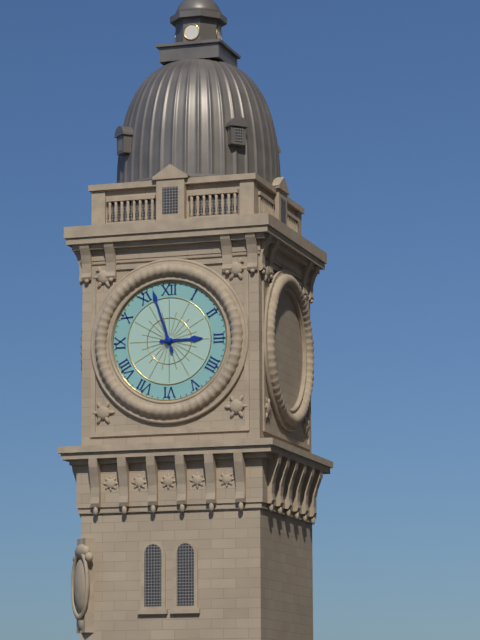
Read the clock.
2:57
